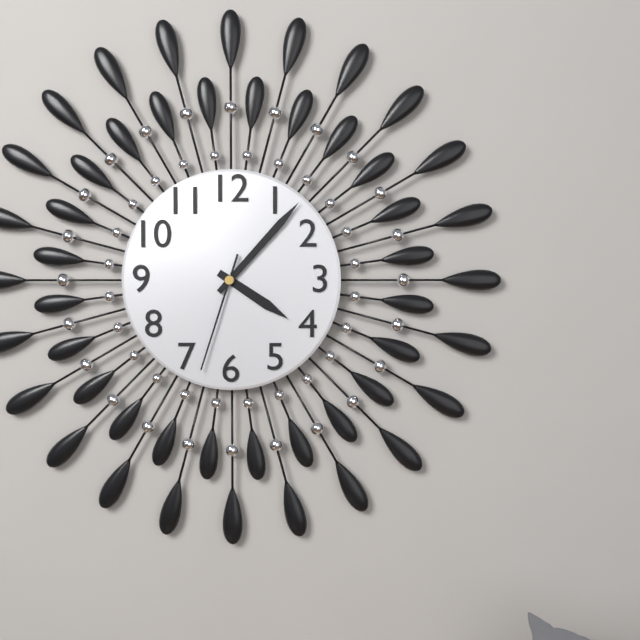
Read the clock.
4:07:33
